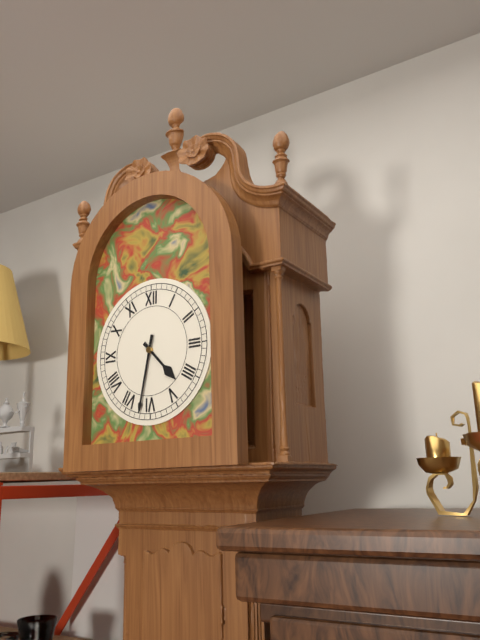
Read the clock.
4:32
